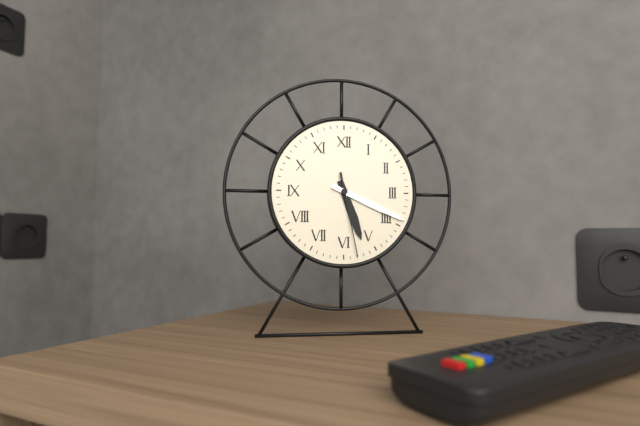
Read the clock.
5:19:28
